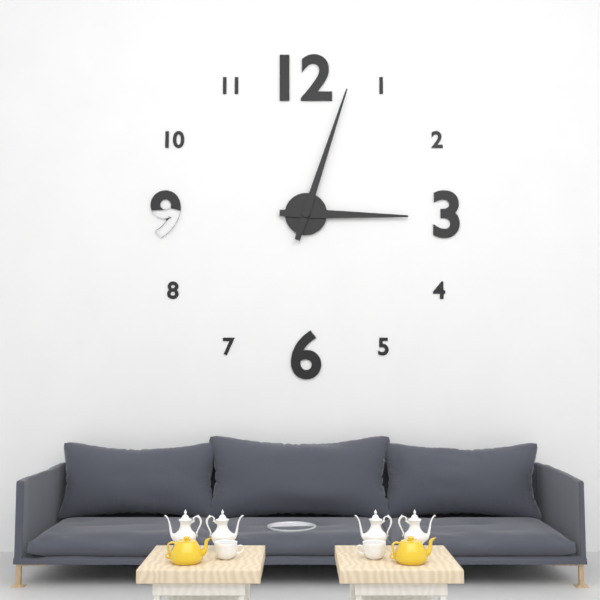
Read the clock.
3:03
